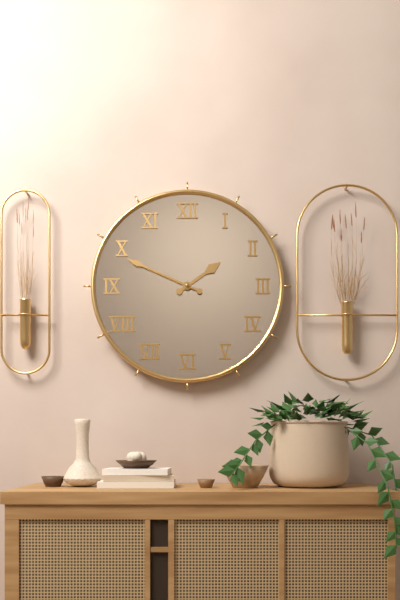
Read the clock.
1:49
